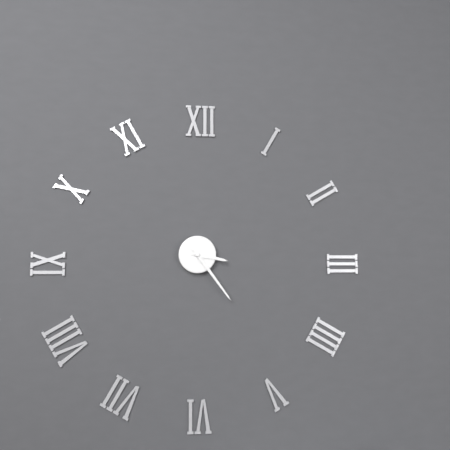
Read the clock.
3:24
